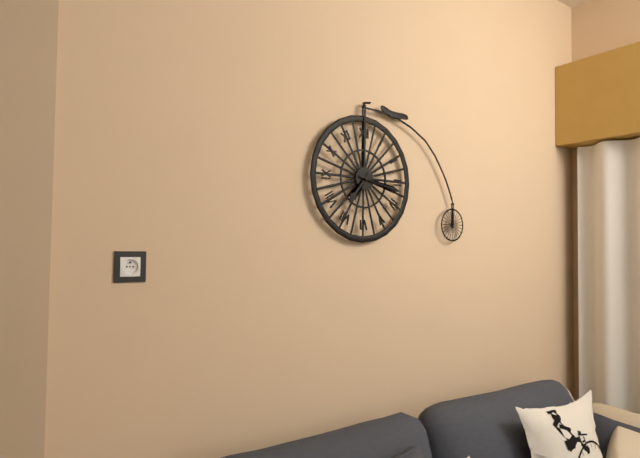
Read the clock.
7:17
